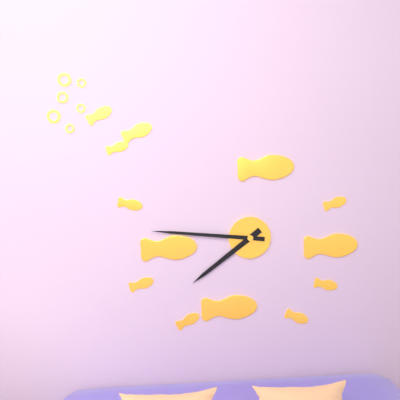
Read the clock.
7:46
